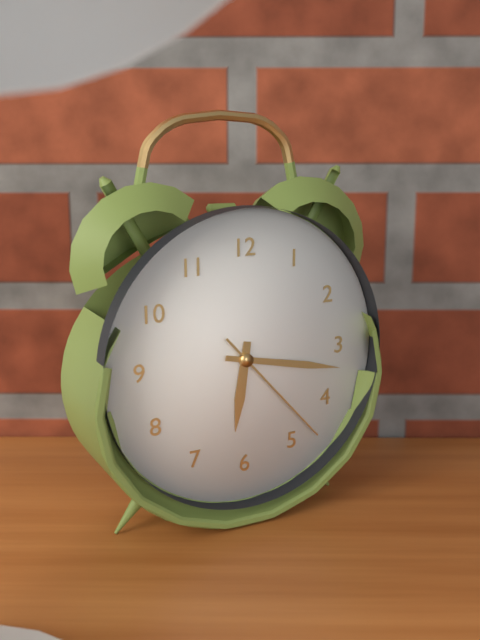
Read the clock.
6:17:23
